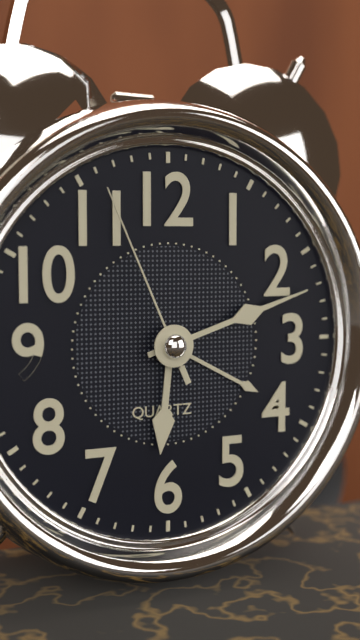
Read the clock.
6:12:56
